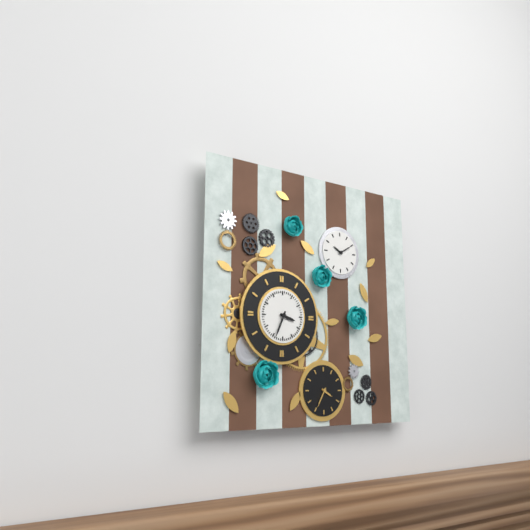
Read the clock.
3:34
